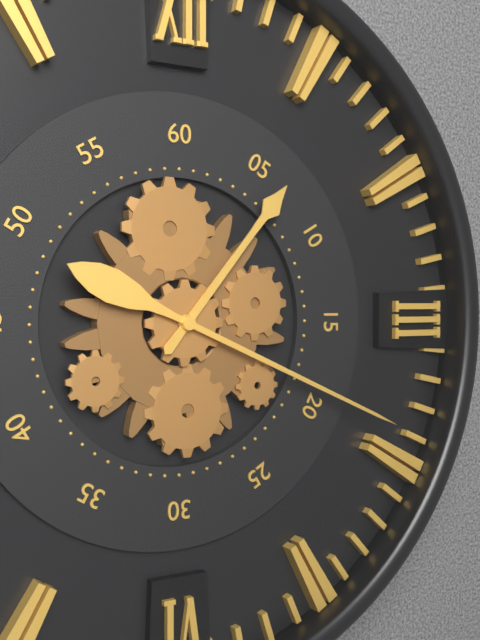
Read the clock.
1:19
